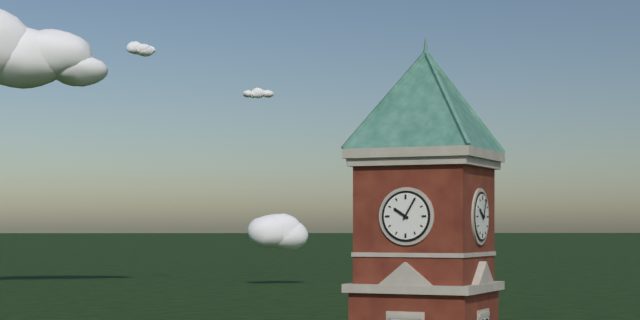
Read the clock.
10:05
